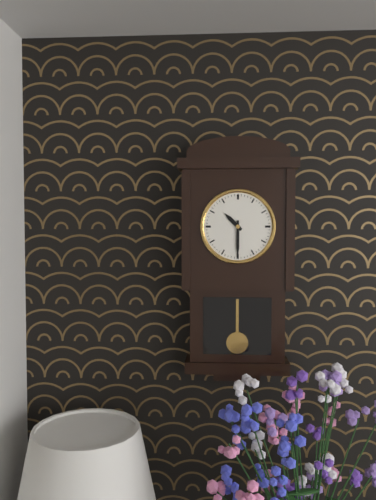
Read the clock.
10:30
